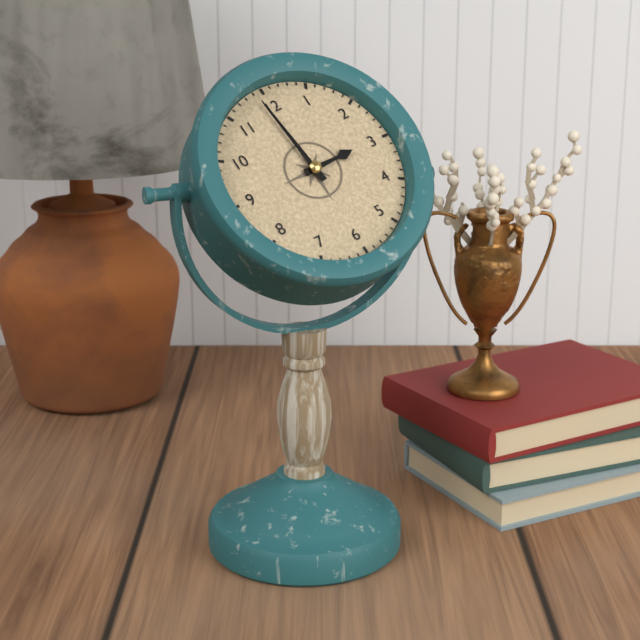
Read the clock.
2:59
